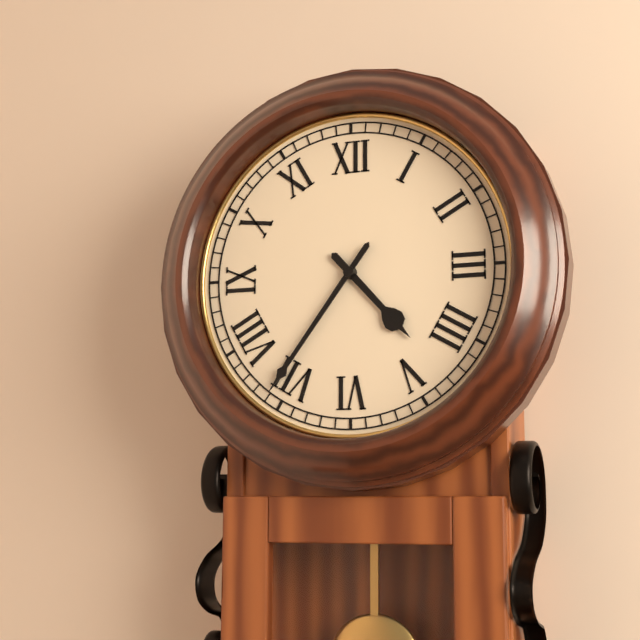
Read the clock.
4:36
